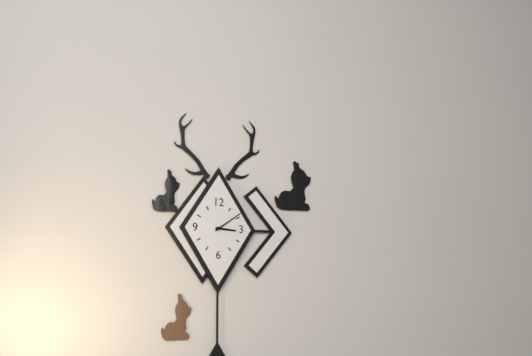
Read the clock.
3:09
